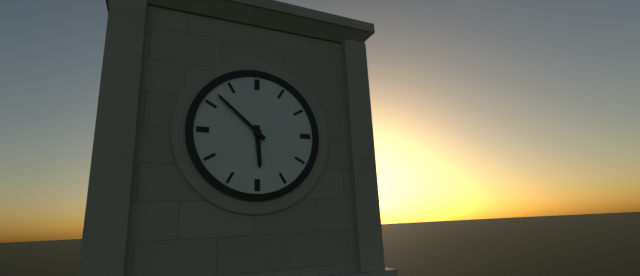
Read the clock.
5:52
